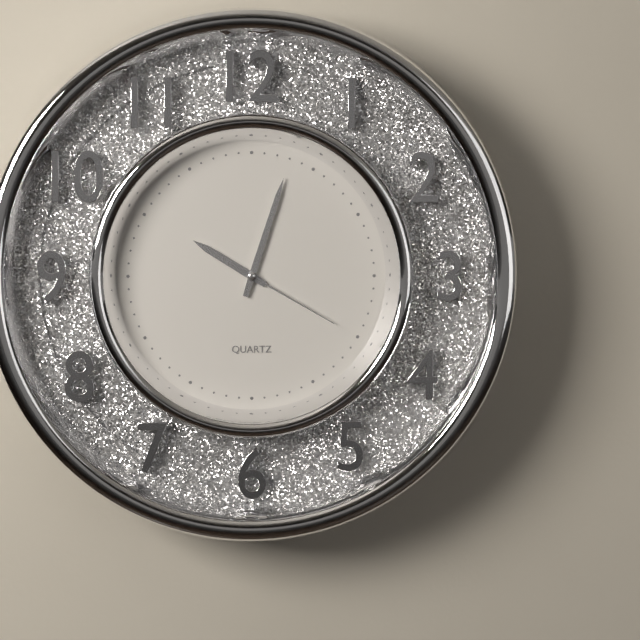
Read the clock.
10:03:20
